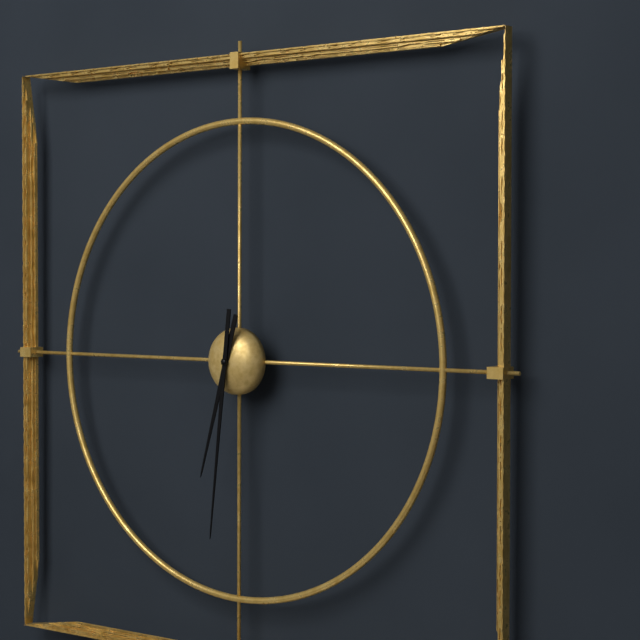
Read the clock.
6:31
